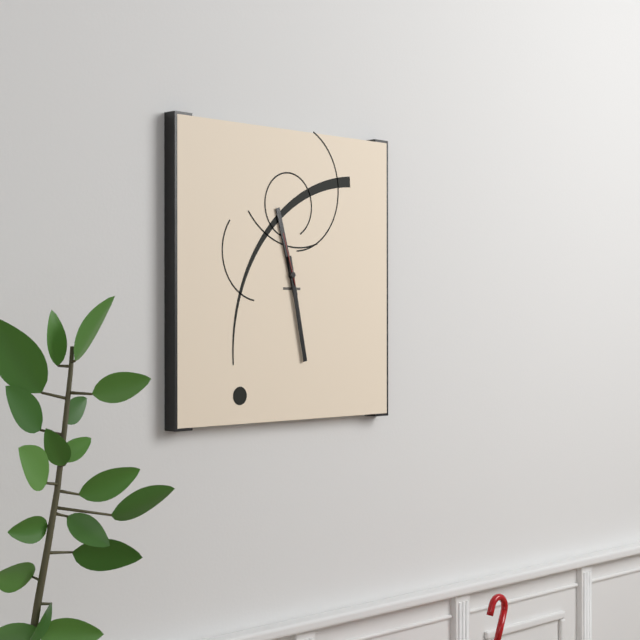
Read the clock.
11:28:57
